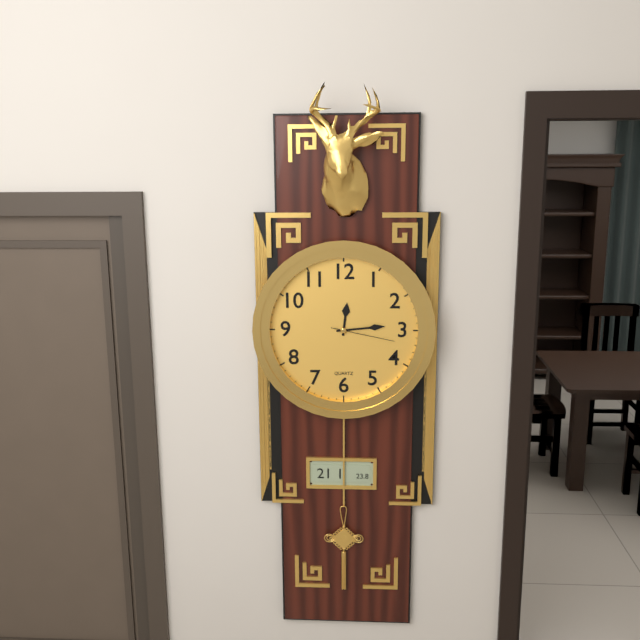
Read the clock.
12:14:17
